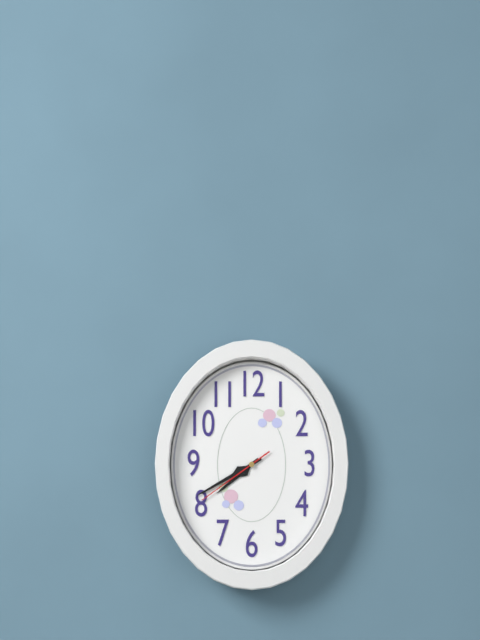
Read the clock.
7:40:39
